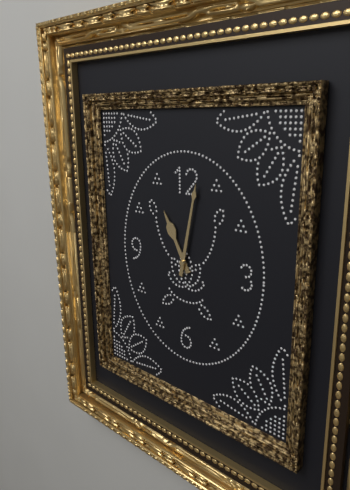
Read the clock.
11:02
